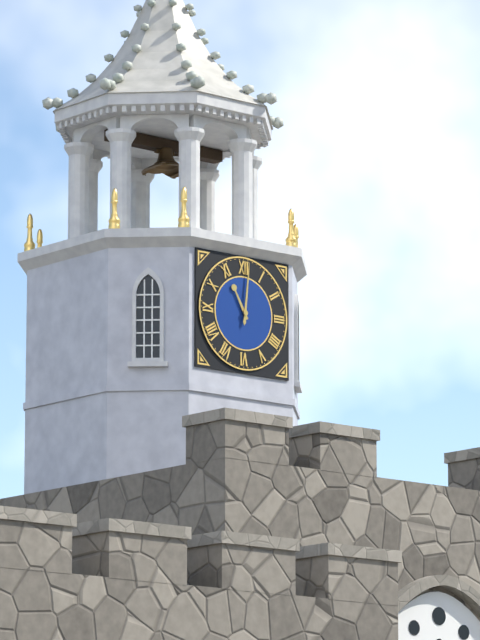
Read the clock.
11:01
